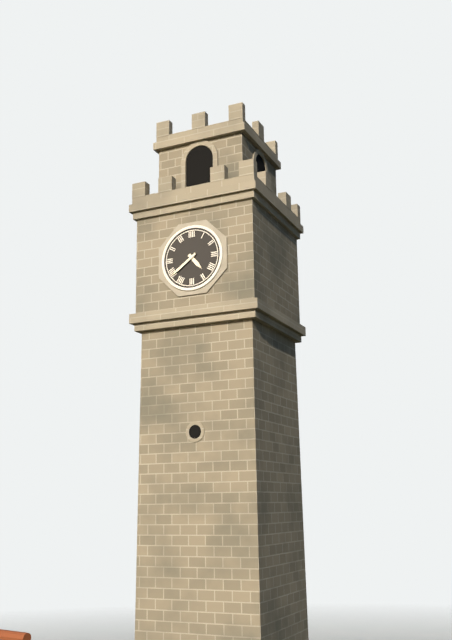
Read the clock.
4:39
